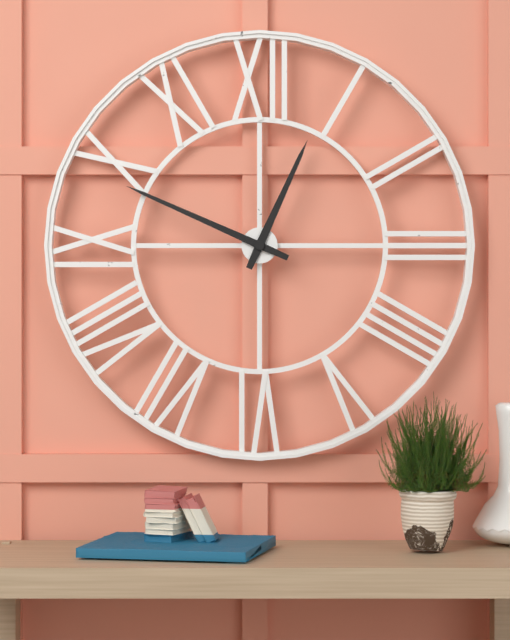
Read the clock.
12:49
